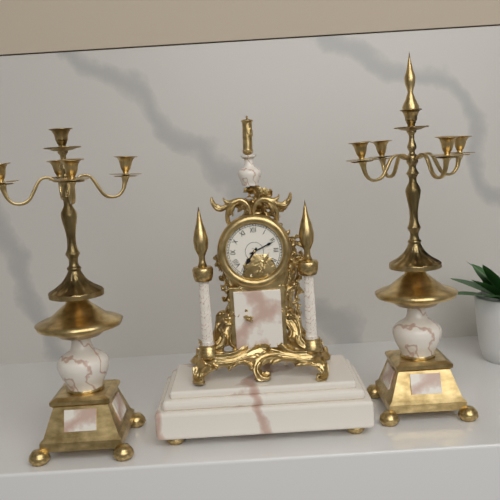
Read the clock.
7:11
